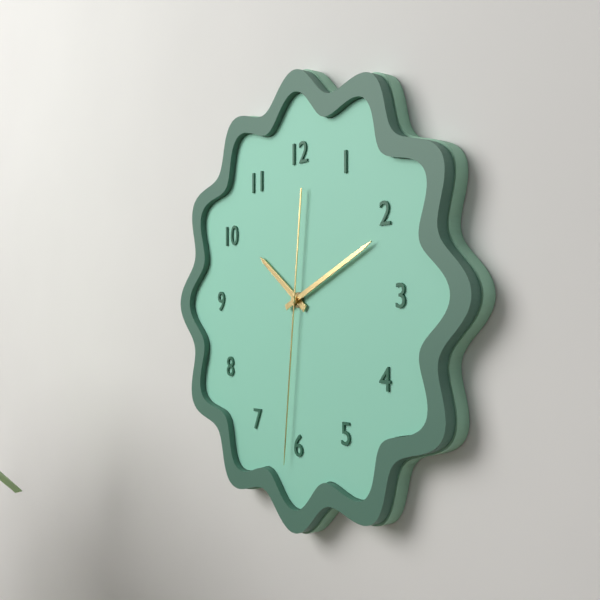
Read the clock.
10:11:31
